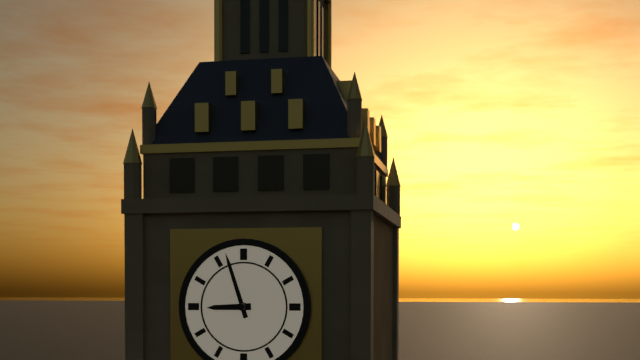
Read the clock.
8:57
